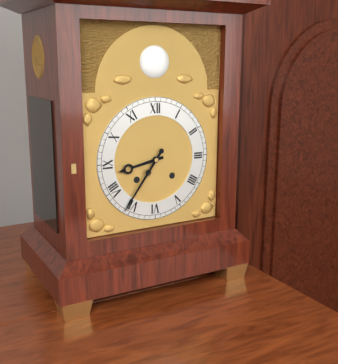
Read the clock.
8:36
